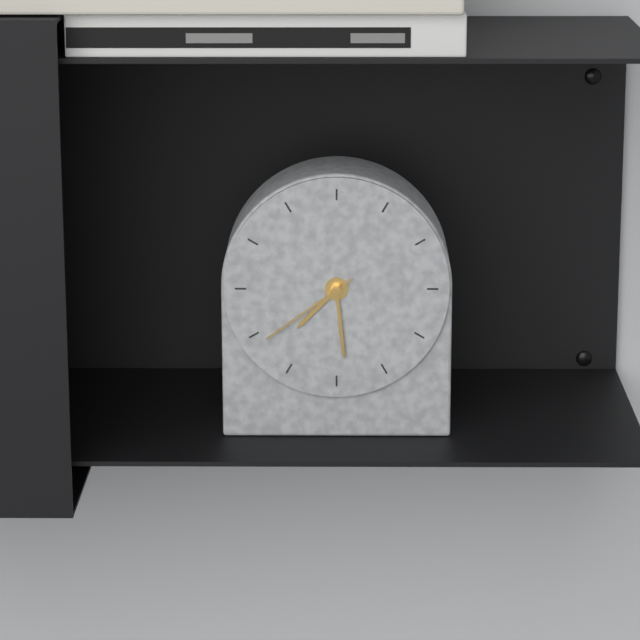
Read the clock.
7:29:39
